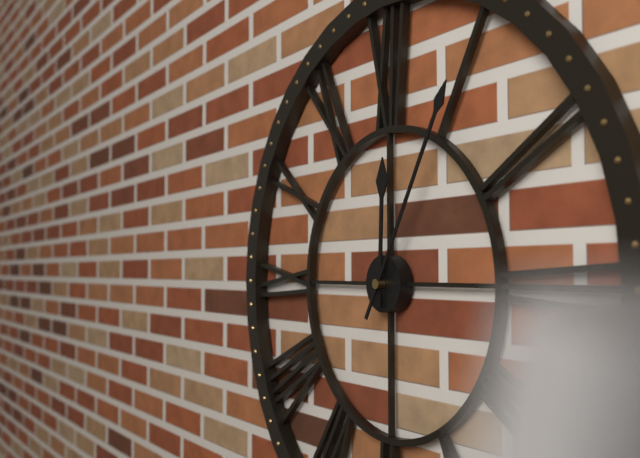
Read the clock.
12:05
